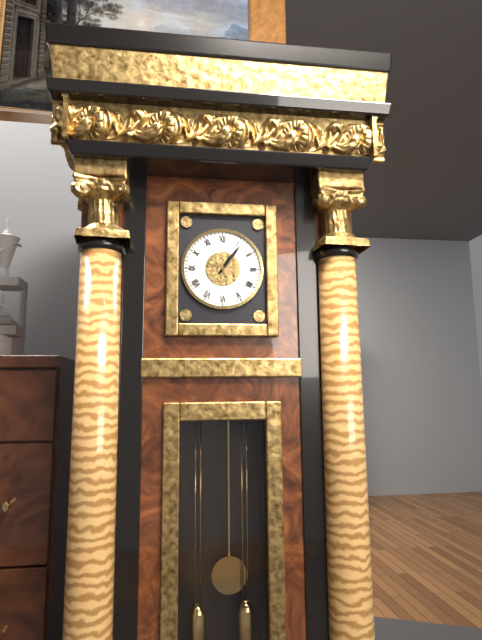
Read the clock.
1:06
